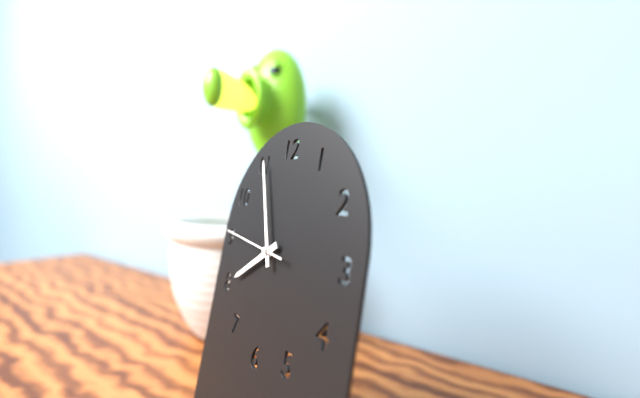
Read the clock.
7:56:46
